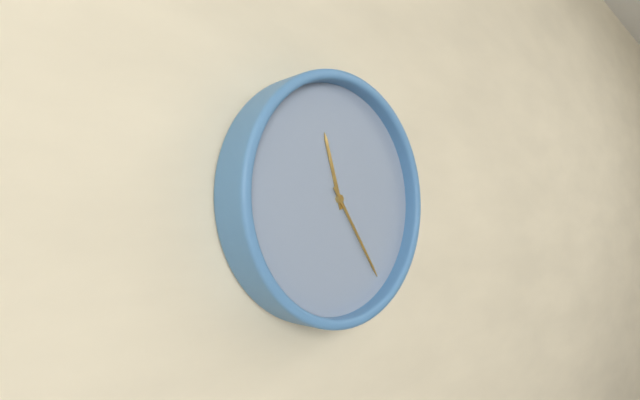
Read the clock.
11:24
